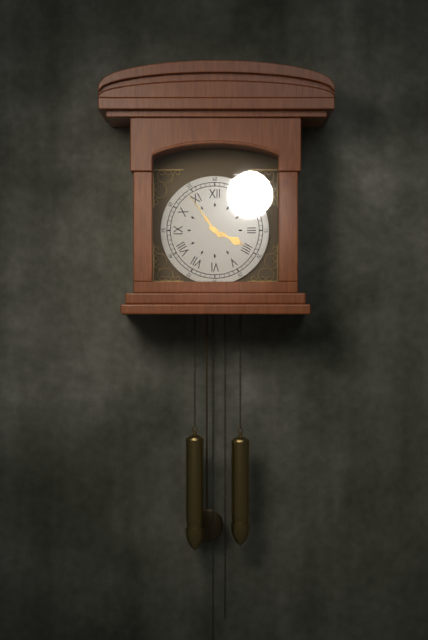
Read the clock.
3:54
